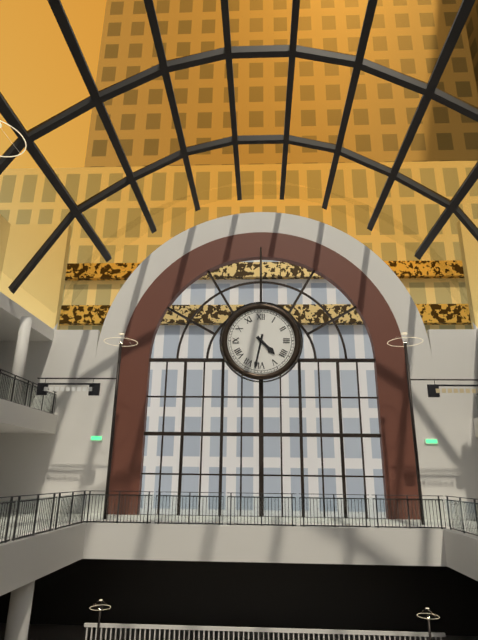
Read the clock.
4:32
